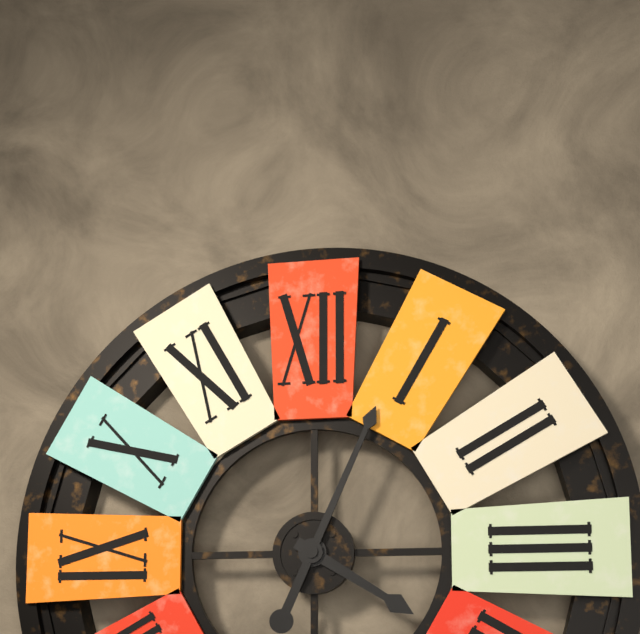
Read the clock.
4:04
